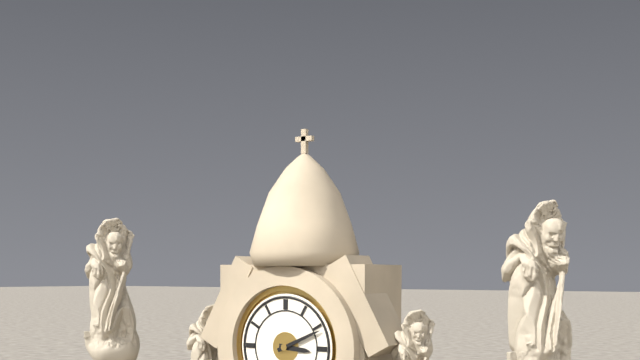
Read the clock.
3:11
